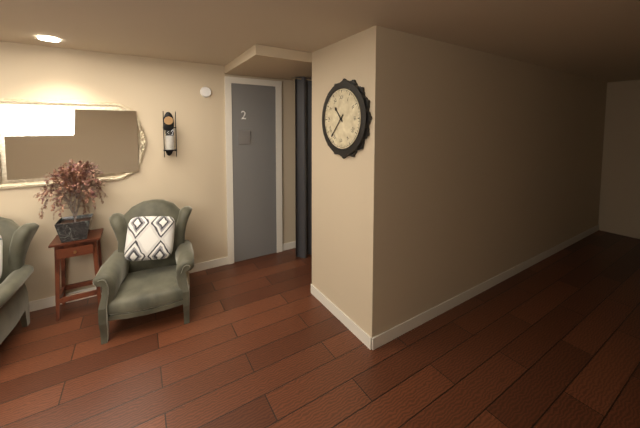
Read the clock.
10:37
